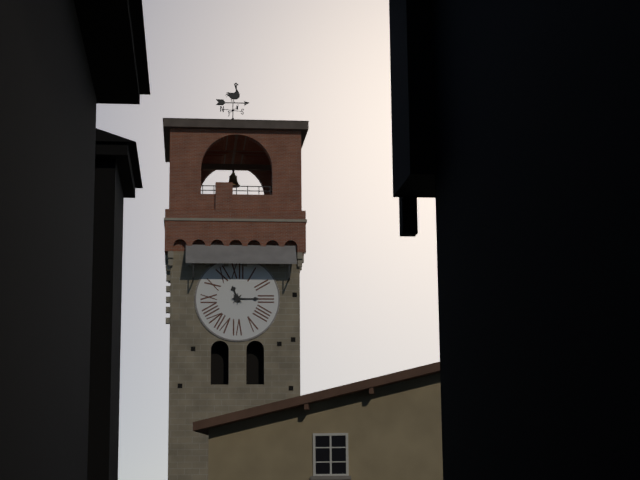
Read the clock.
11:15
